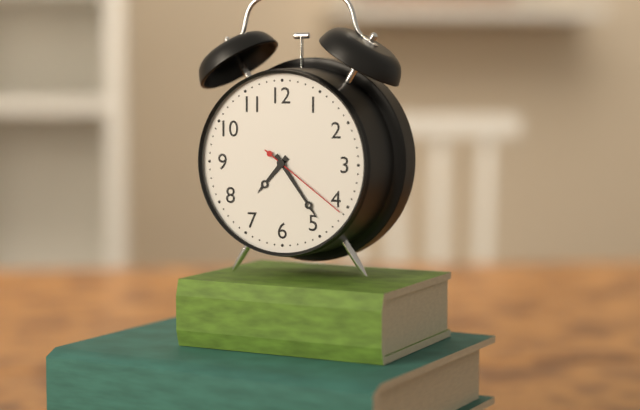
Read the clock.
7:24:21
